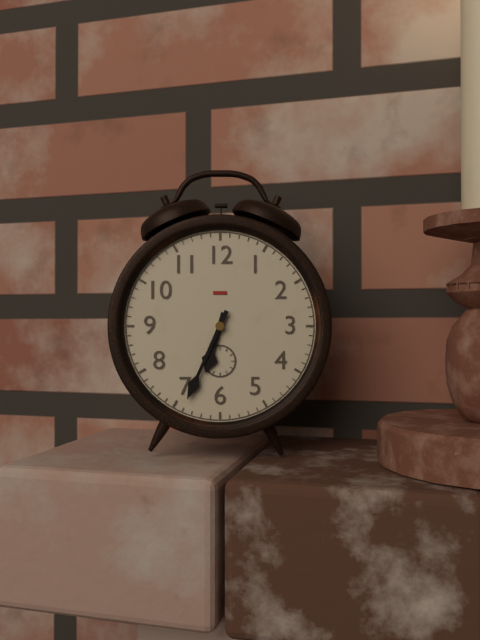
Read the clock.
6:34
